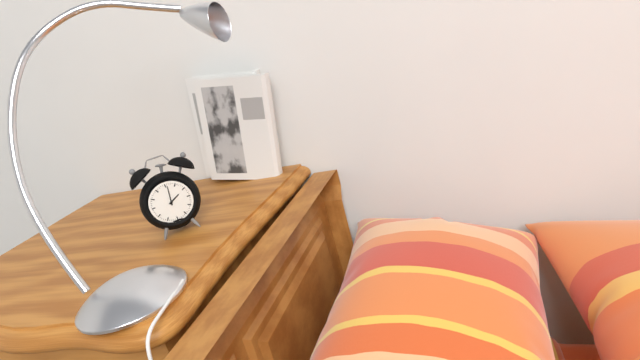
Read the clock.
2:01
